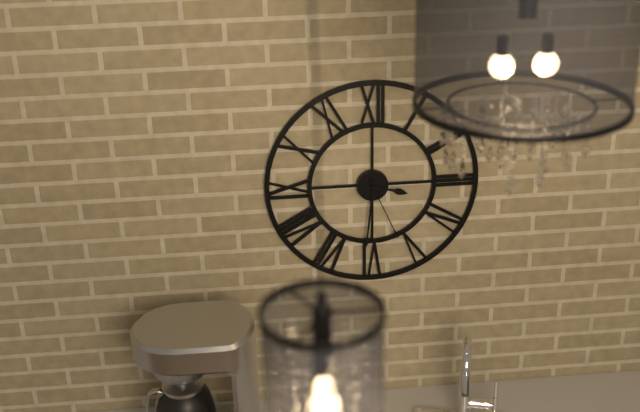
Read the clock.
3:31:26
